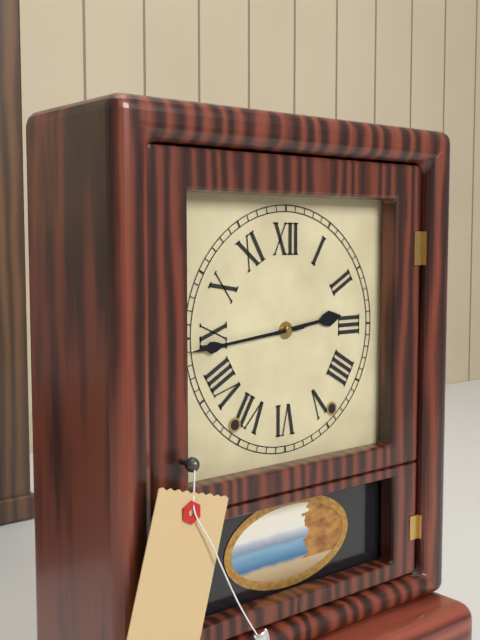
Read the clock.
2:44
